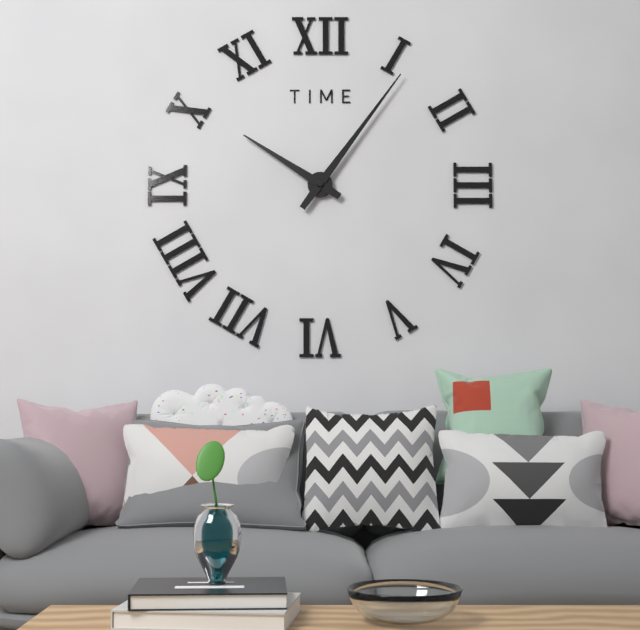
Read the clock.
10:06
